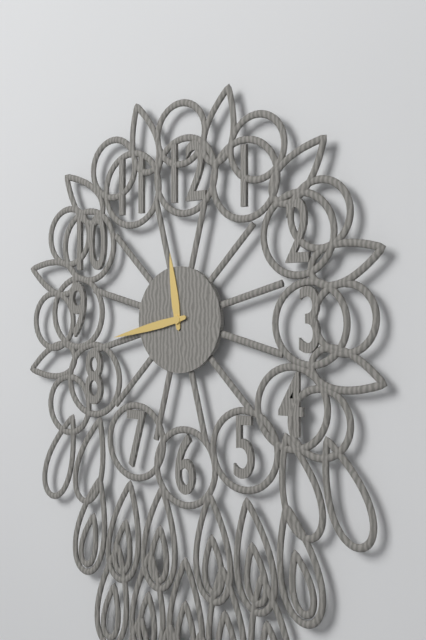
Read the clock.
11:43
